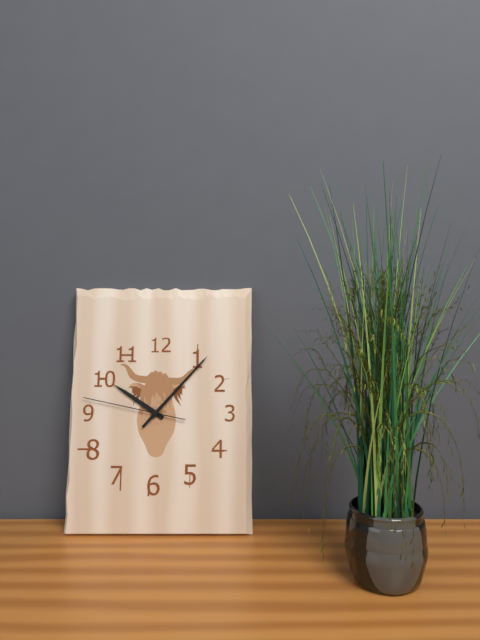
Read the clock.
10:07:47
